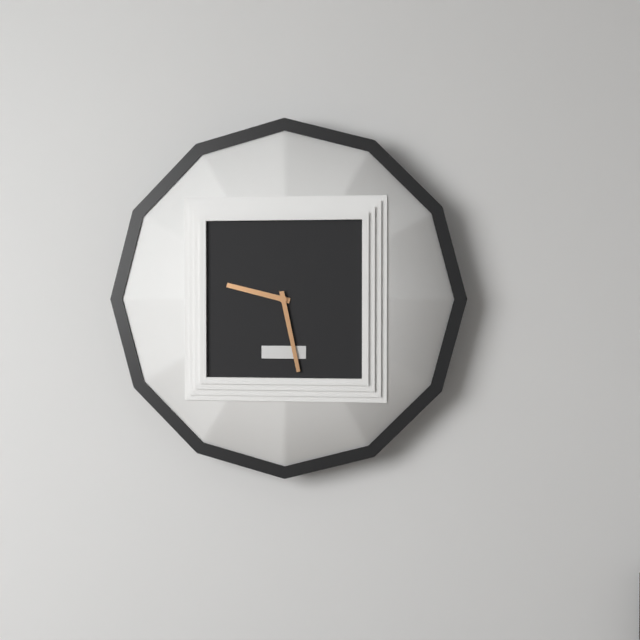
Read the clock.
9:28
